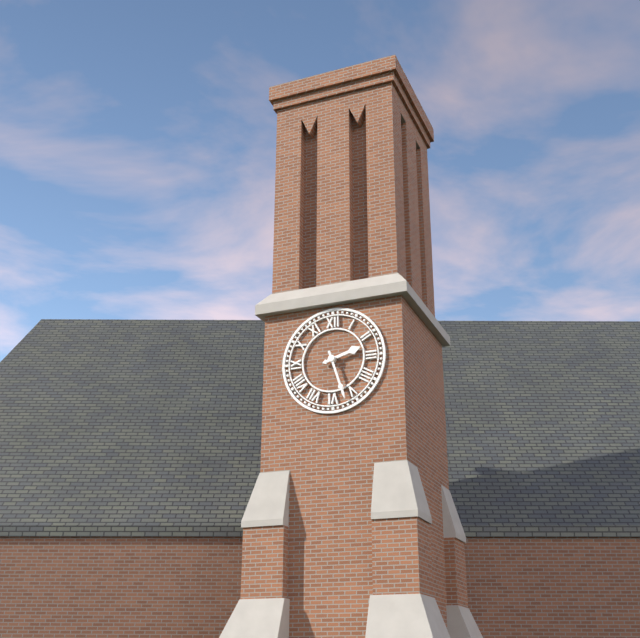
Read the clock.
2:27
